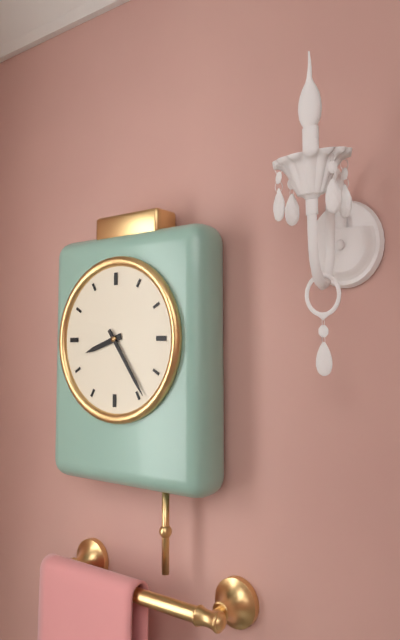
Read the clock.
8:24
